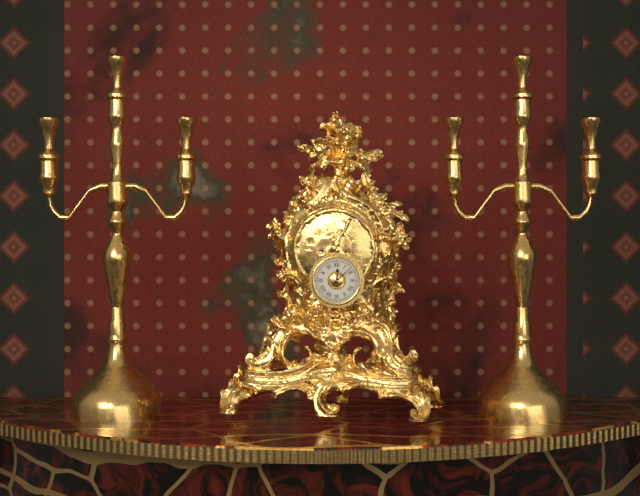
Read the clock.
12:08
